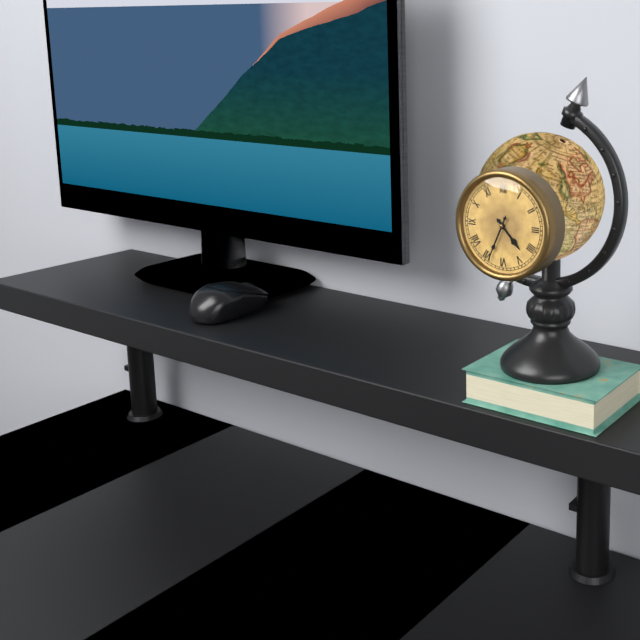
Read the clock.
4:34
